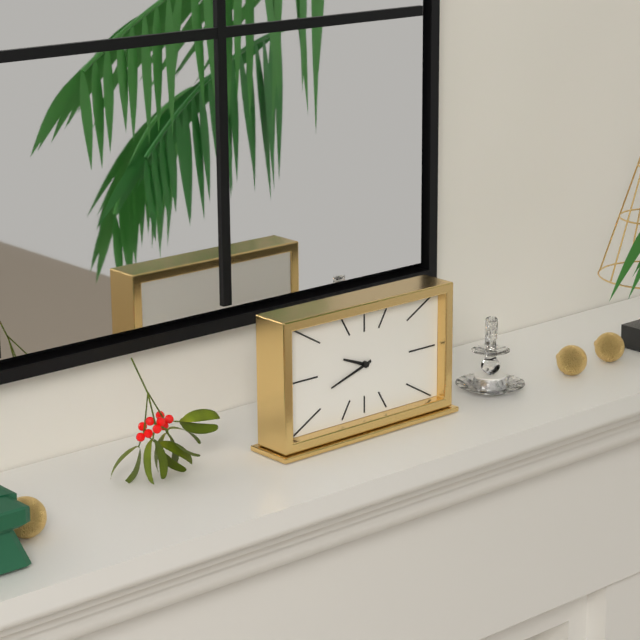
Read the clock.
9:42
